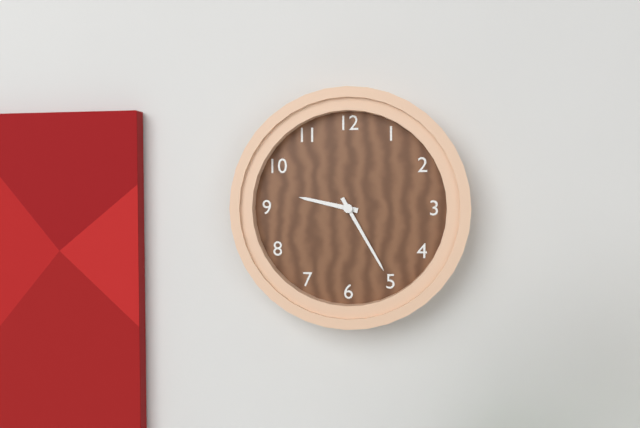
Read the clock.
9:25
